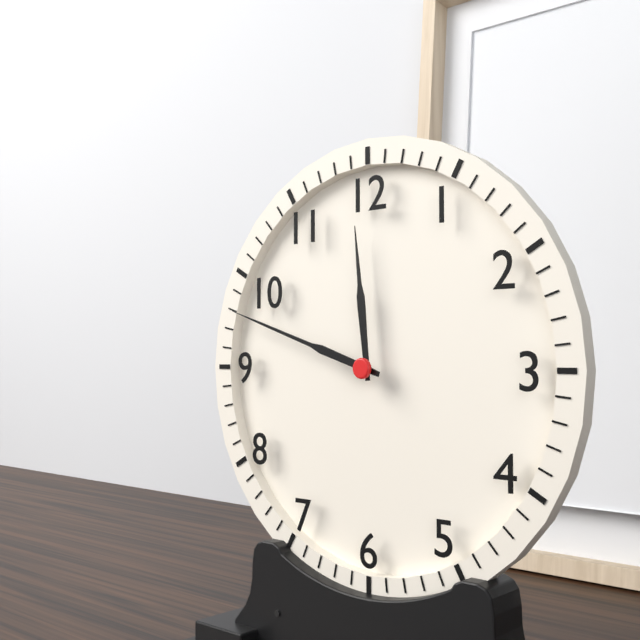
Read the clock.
11:48
